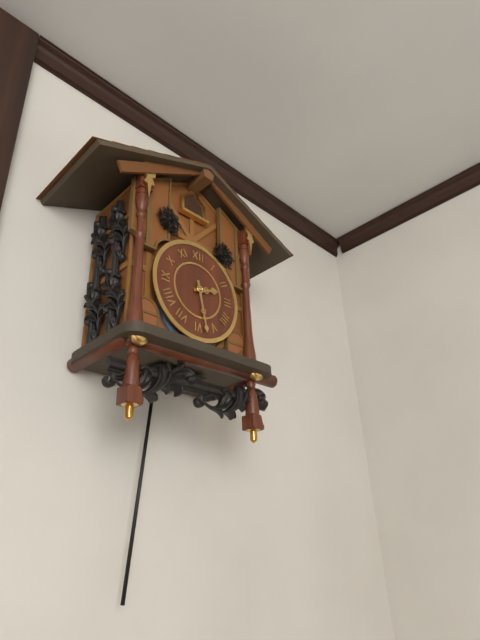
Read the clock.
2:28
